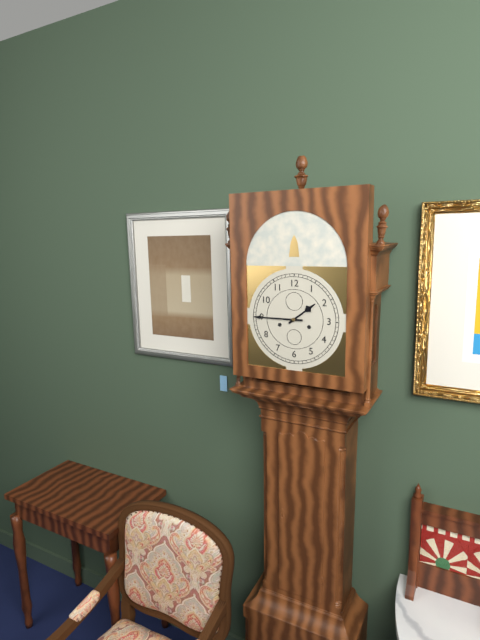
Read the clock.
1:45
